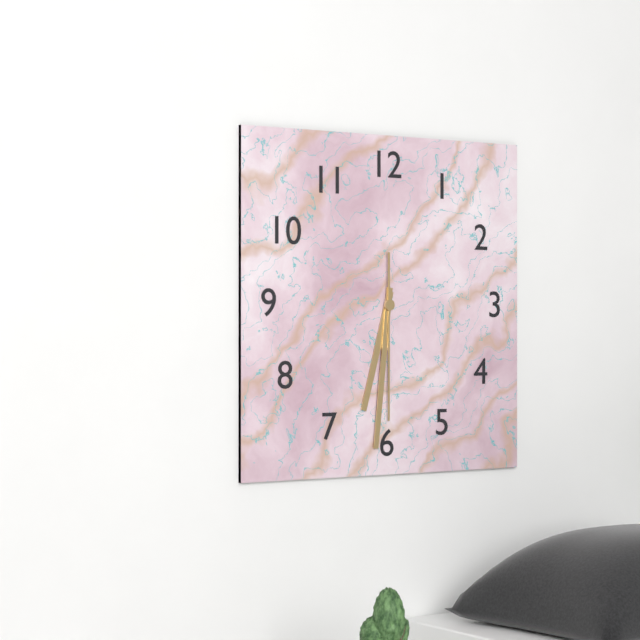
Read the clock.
6:31:30
